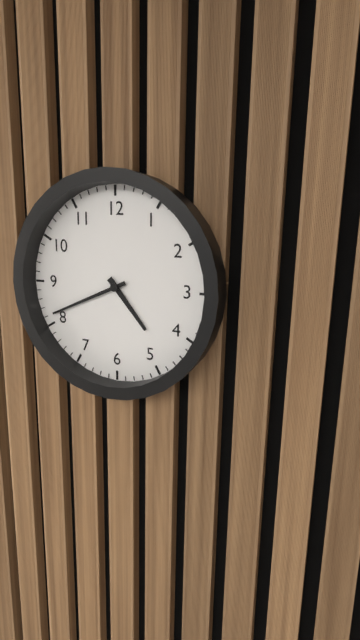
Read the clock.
4:41
